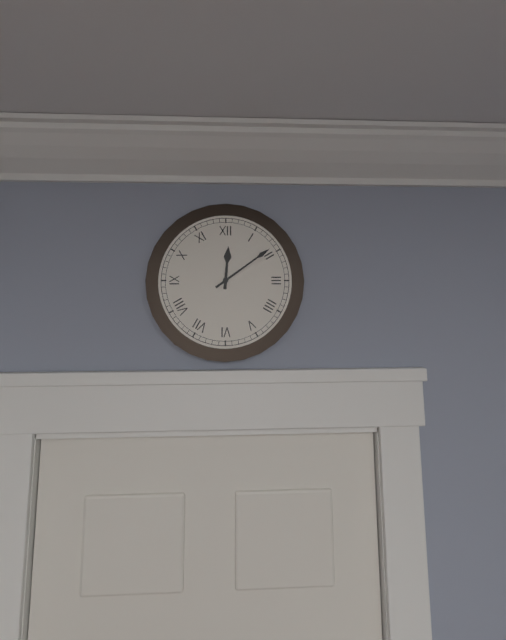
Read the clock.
12:09
